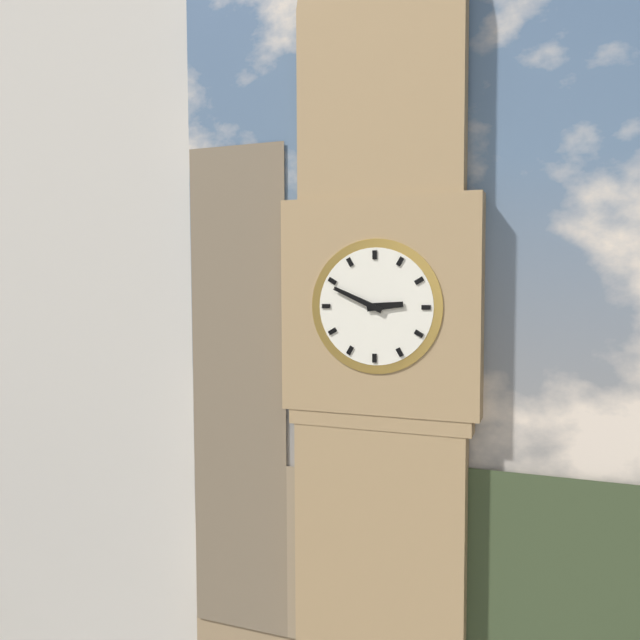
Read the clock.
2:49
